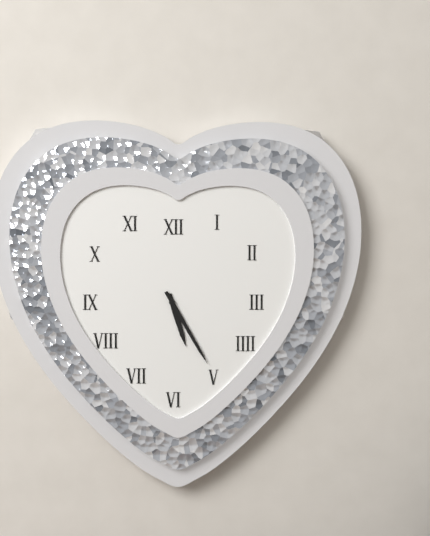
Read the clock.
5:25
